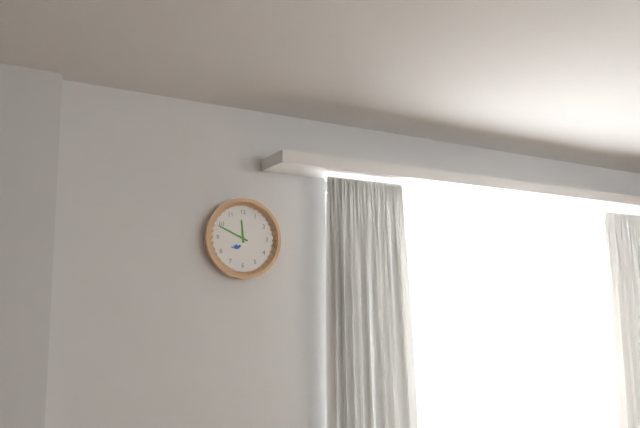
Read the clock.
11:49
